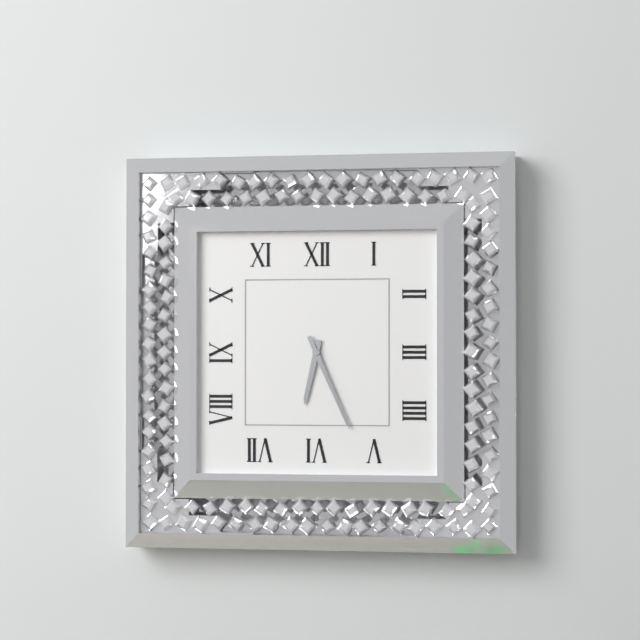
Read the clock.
6:26
